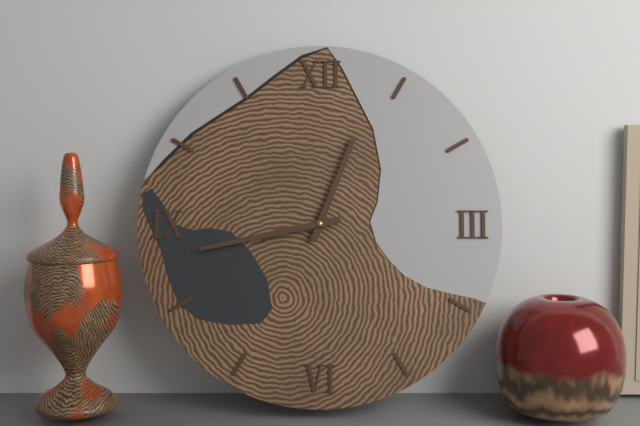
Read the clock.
12:43
